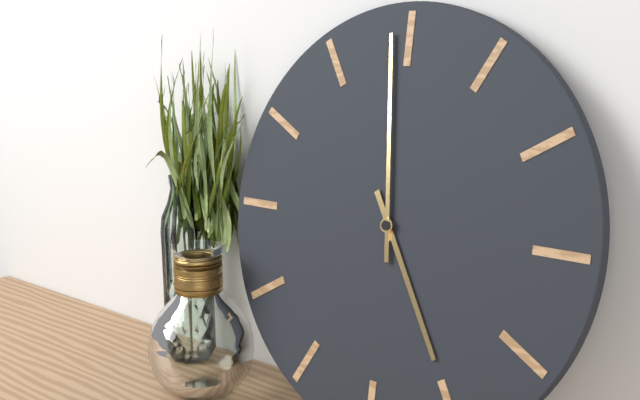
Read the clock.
4:59
